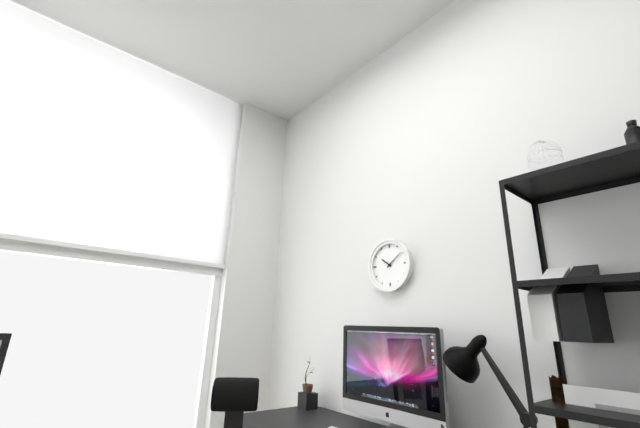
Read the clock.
10:09
